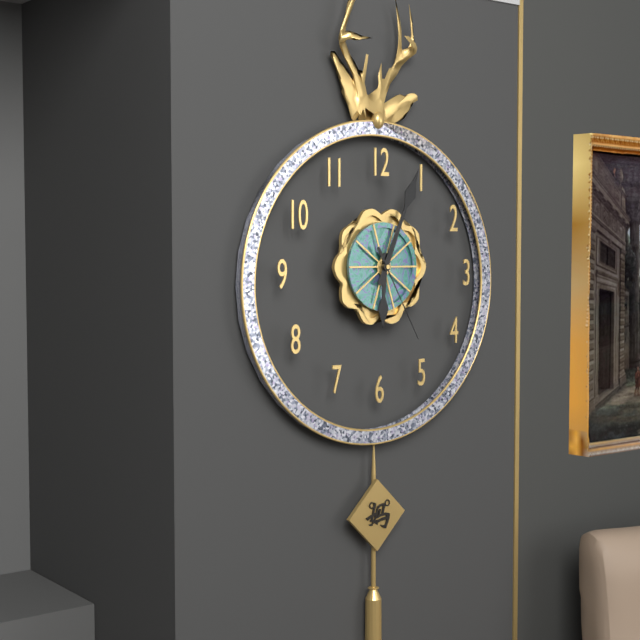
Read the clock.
6:04:25
